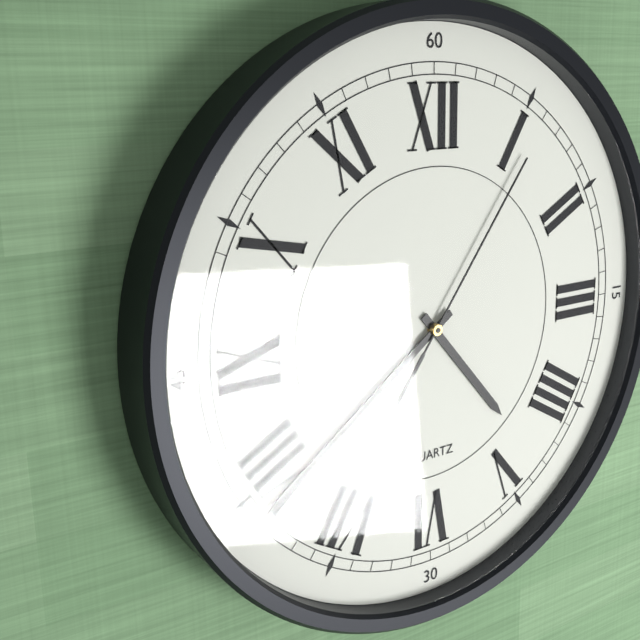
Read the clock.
4:39:06
